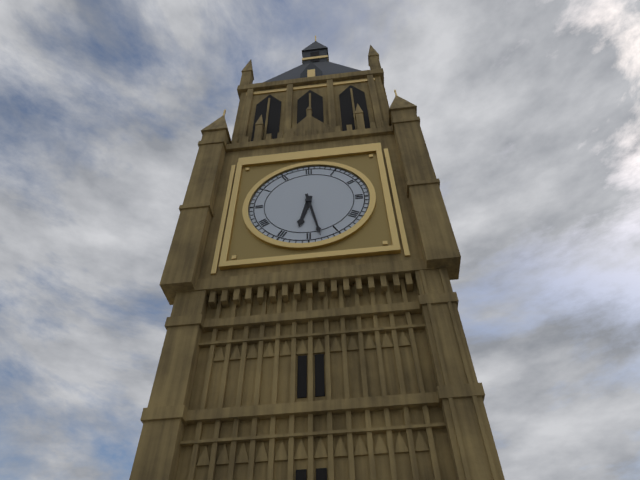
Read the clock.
6:28
